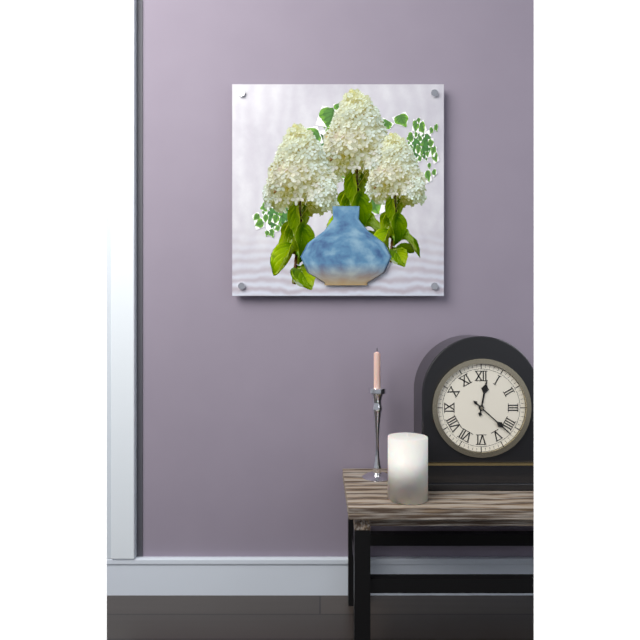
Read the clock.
12:22
